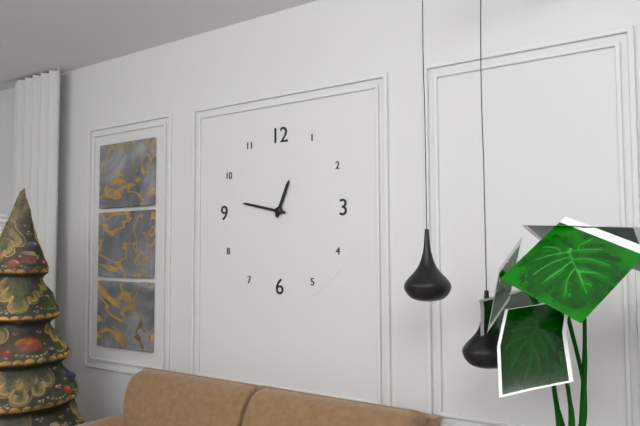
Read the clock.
12:47
